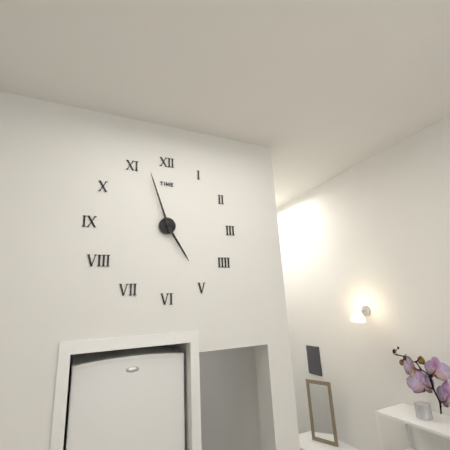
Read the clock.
4:57
